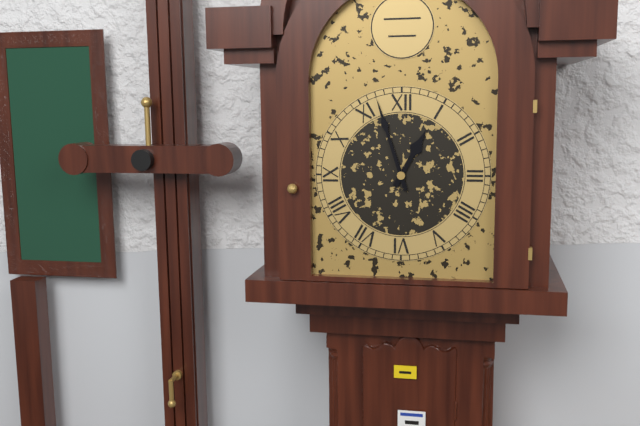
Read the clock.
12:57
